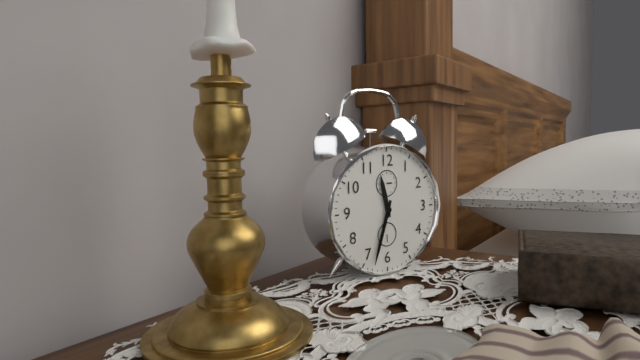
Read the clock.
11:33
